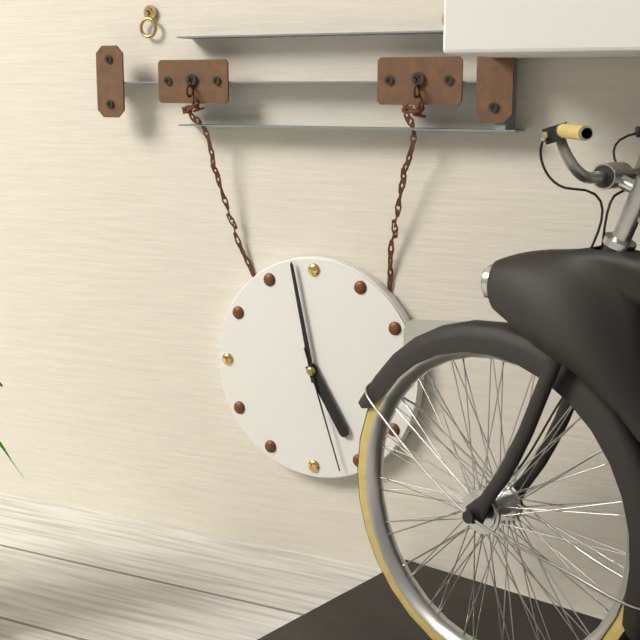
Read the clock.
4:58:27
